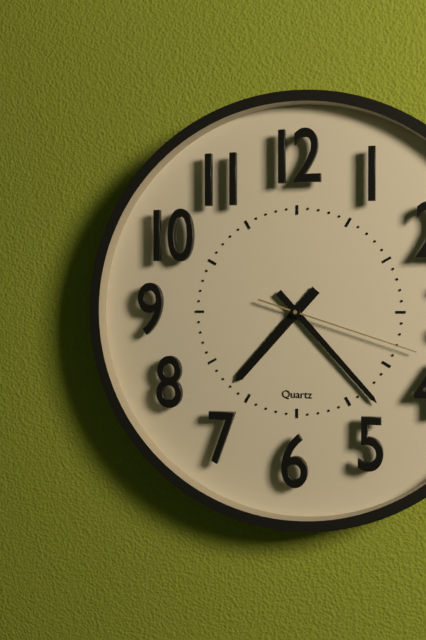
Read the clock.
7:23:18
